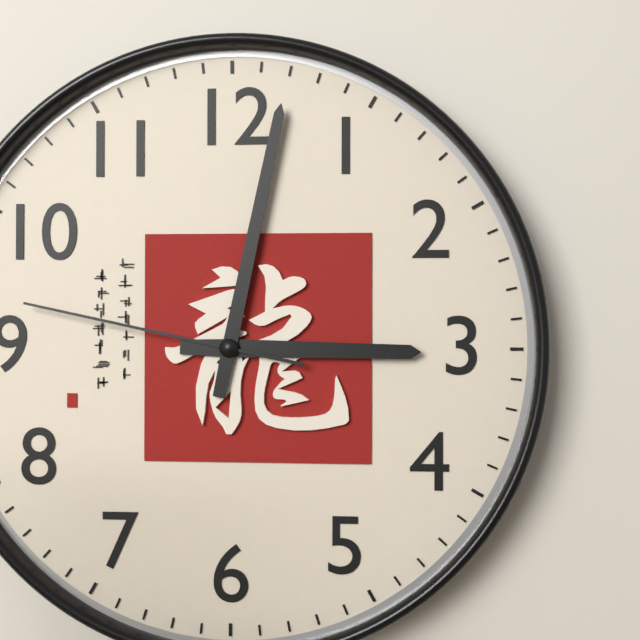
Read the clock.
3:02:47
